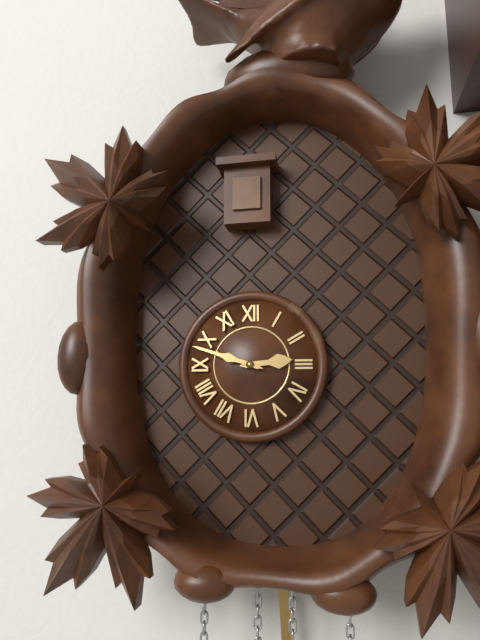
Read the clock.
2:48
